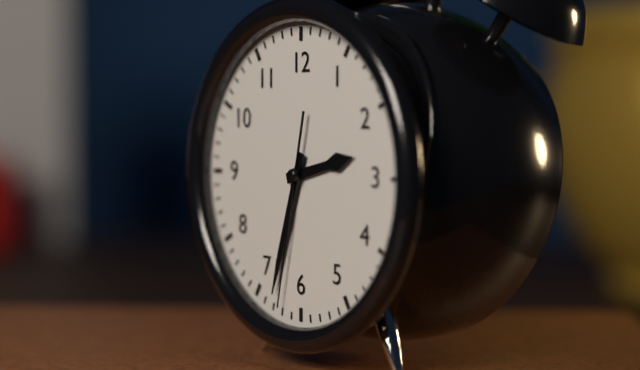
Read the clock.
2:33:32
